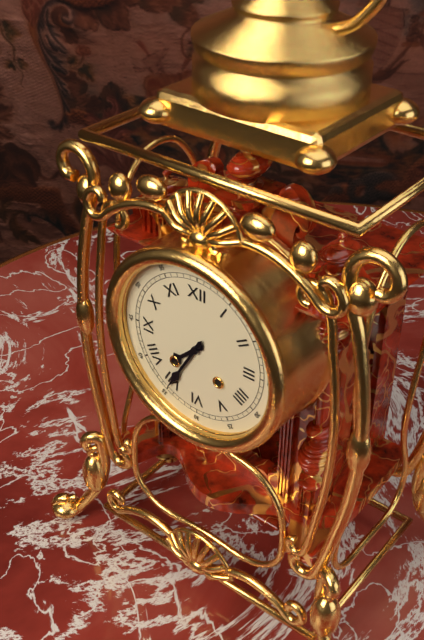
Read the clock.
7:35
